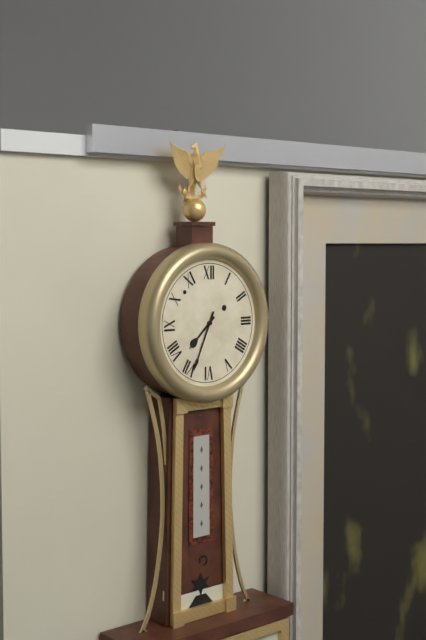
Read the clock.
7:34
